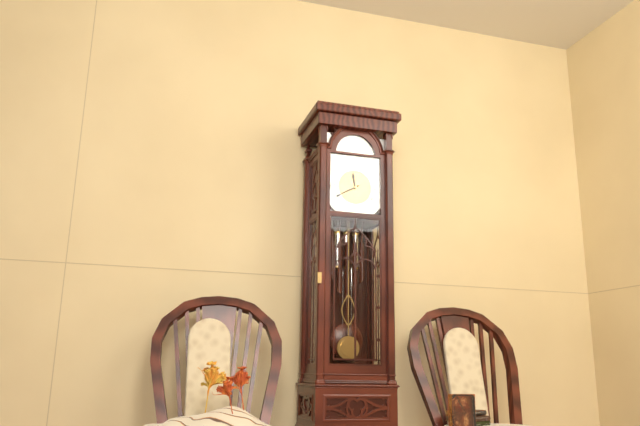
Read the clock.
11:40
